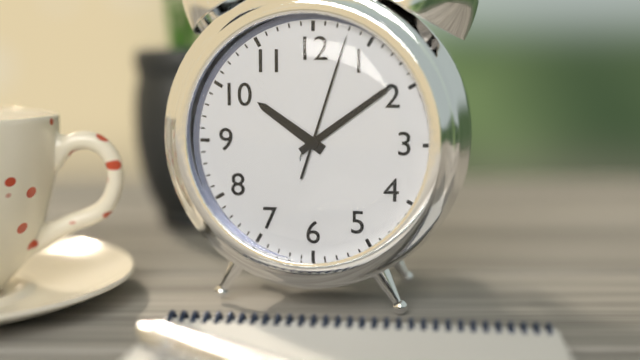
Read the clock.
10:09:03
